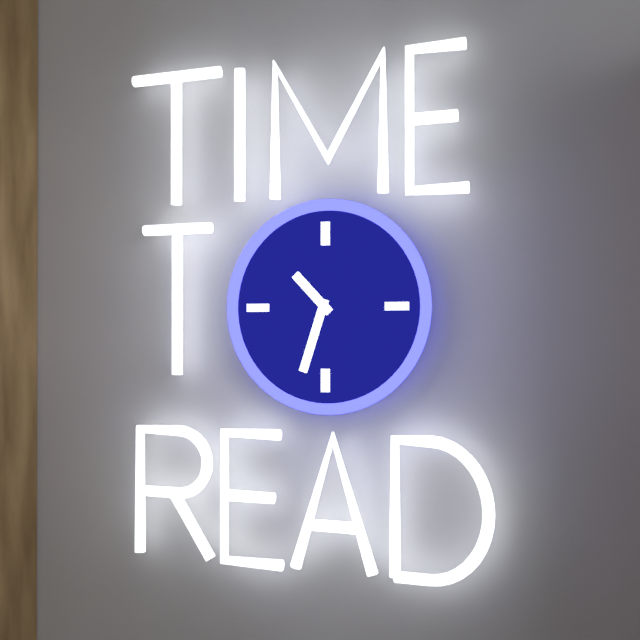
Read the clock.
10:33
